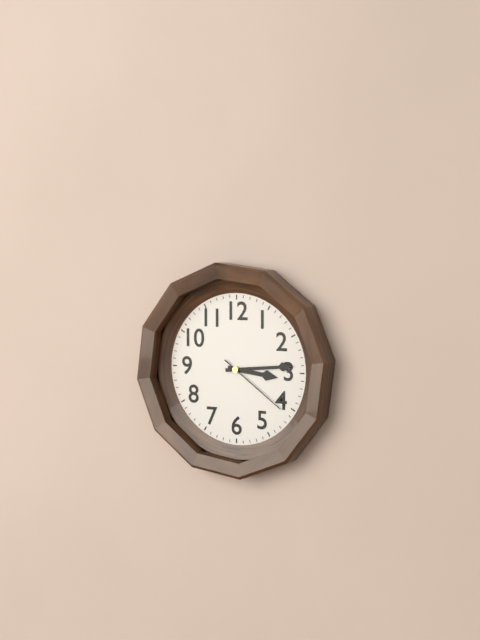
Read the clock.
3:14:21
